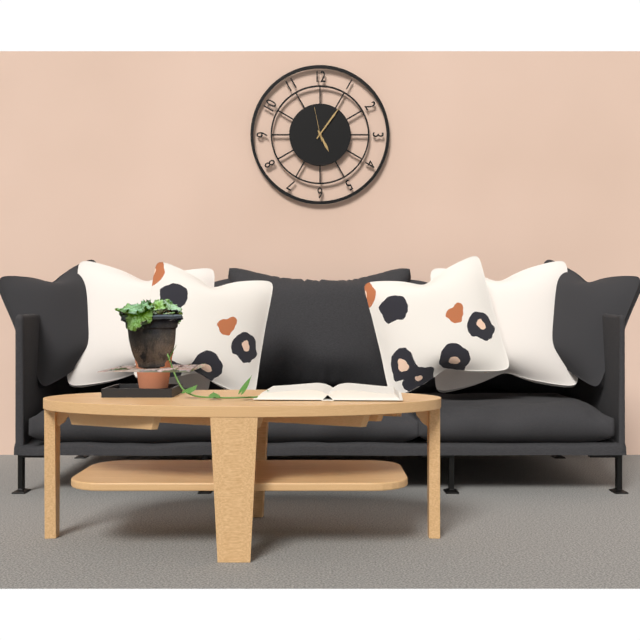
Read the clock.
5:06
